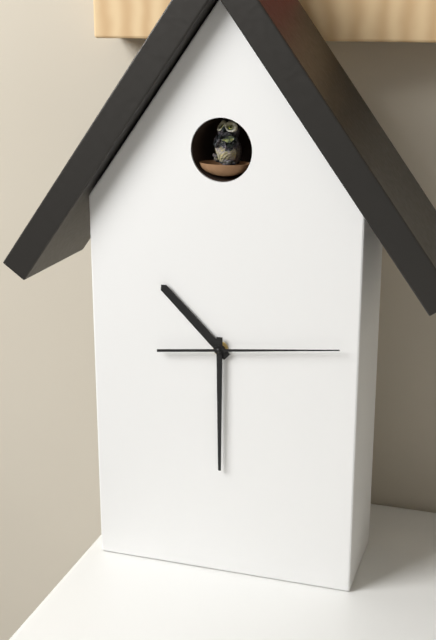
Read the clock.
10:30:14
